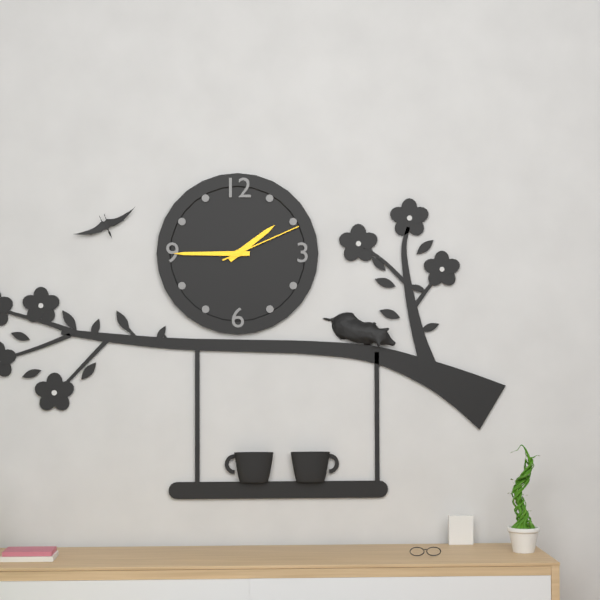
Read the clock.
1:45:11
